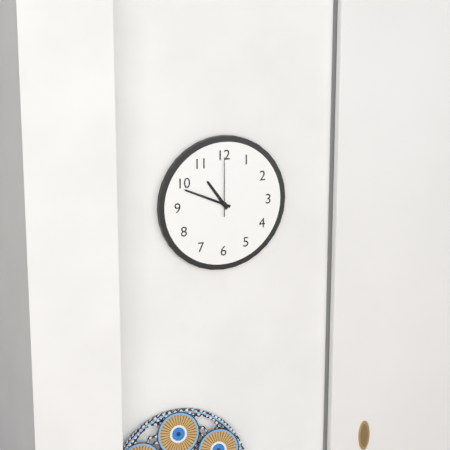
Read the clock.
10:49:00
